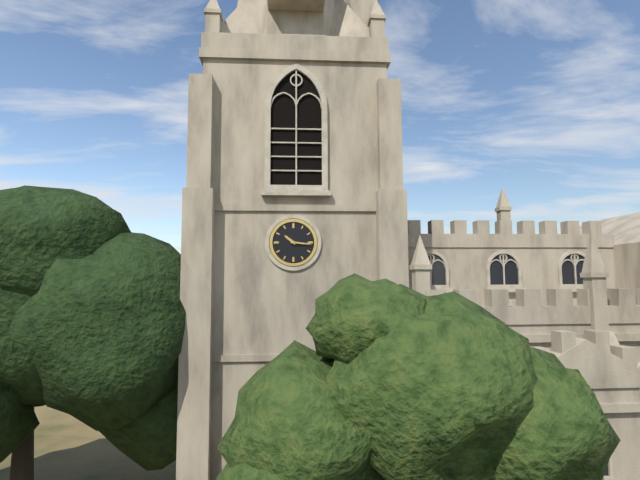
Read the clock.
10:16
